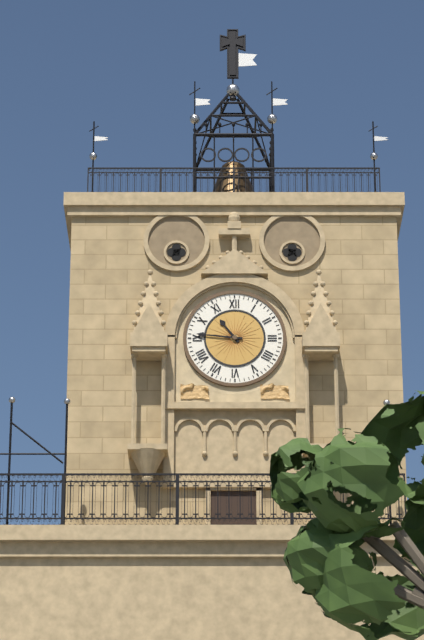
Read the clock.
10:46
